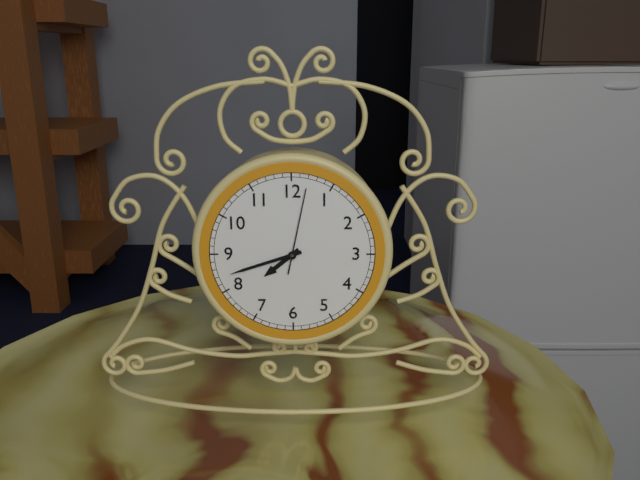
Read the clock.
7:42:02
